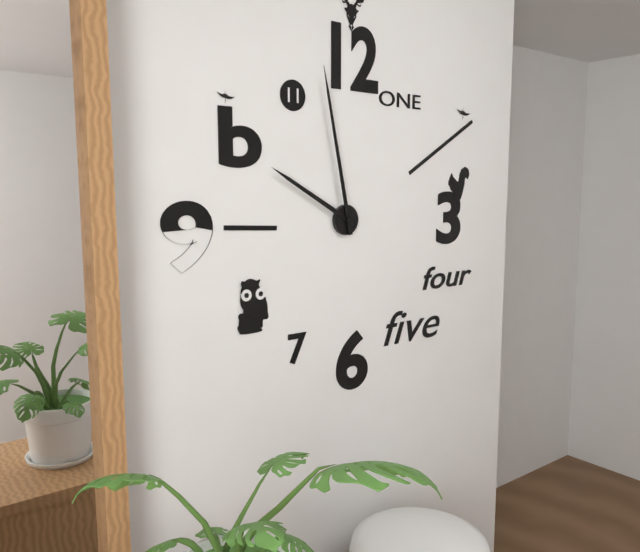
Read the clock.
9:58
